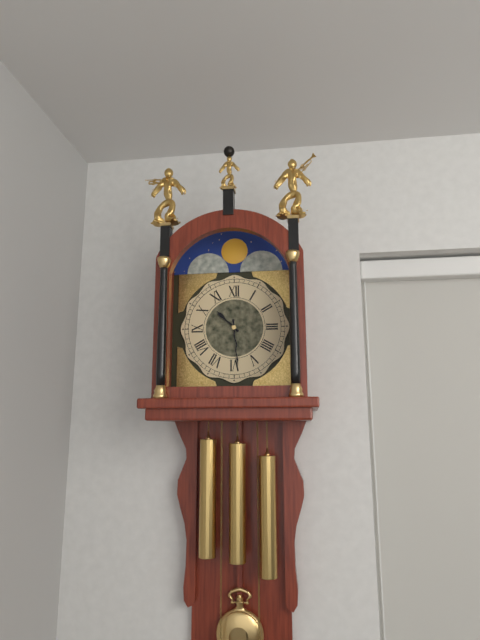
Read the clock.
10:29
